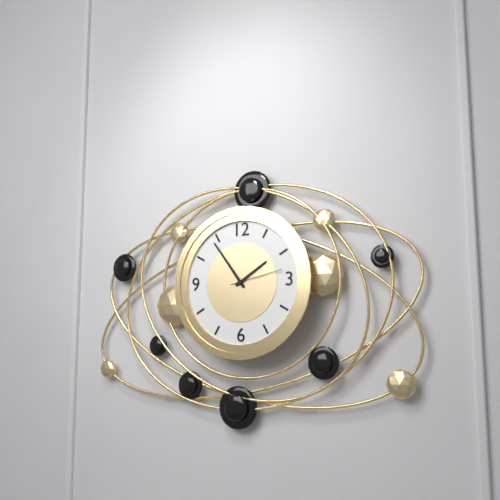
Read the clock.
1:54:13
